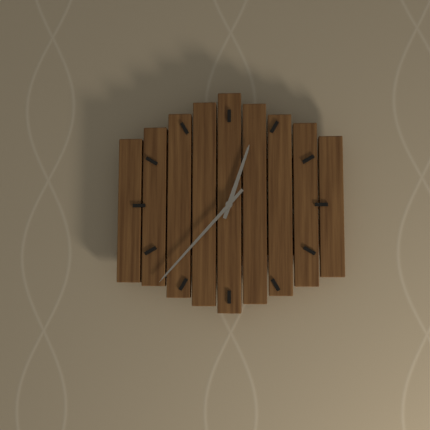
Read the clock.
12:37
